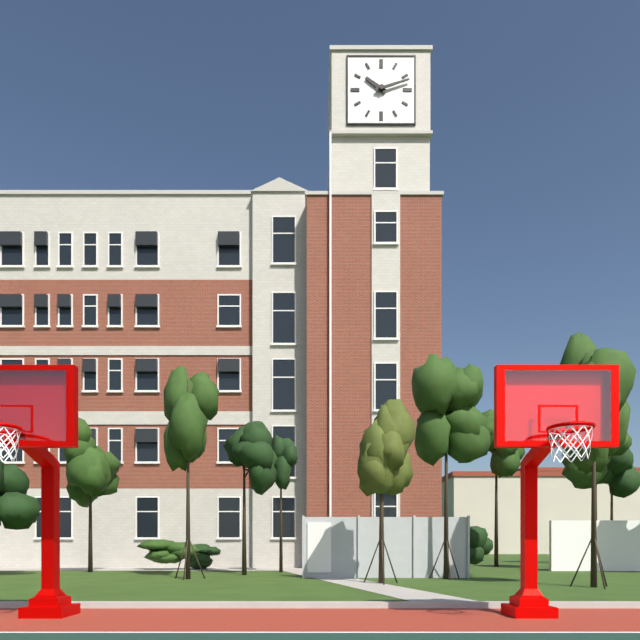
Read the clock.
10:12
